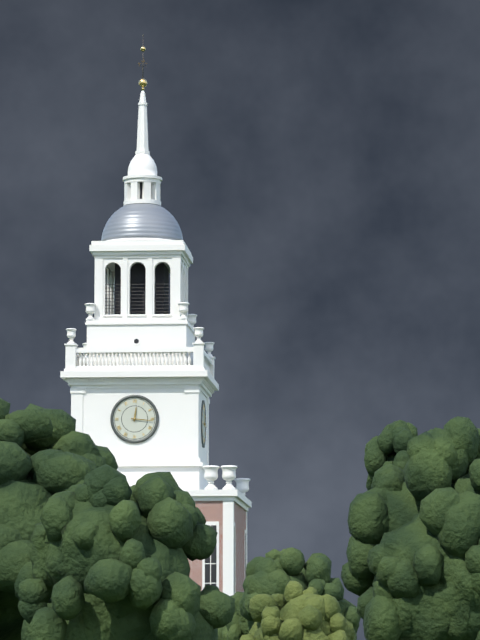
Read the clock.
12:16
